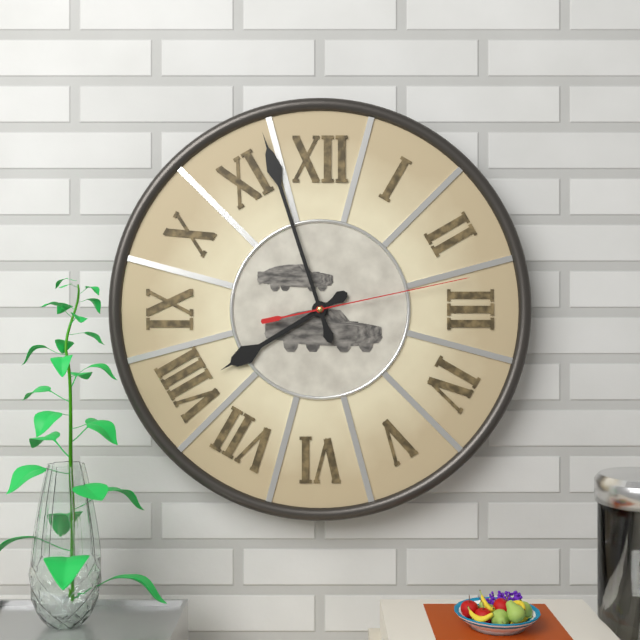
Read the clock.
7:57:13
